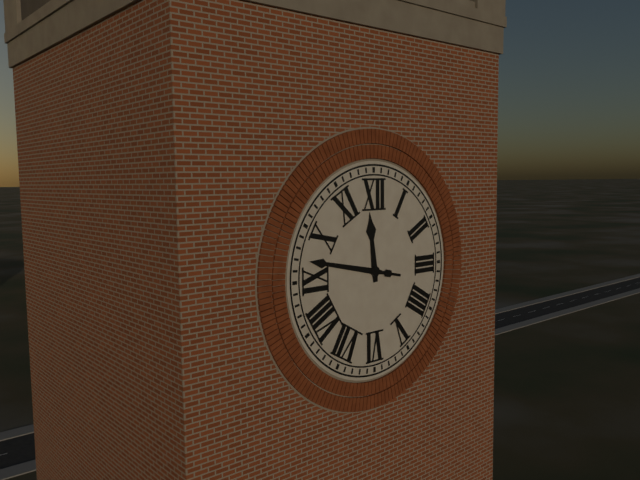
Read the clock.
11:47
